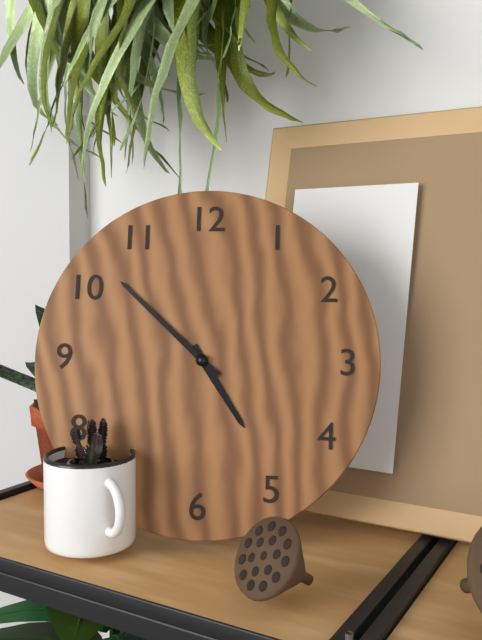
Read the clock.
4:52
